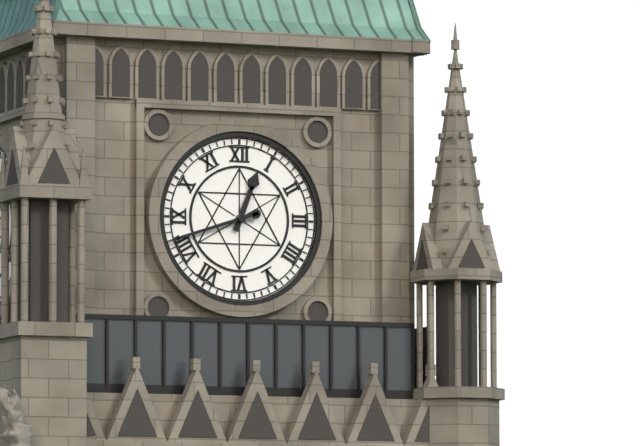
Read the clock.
12:42
